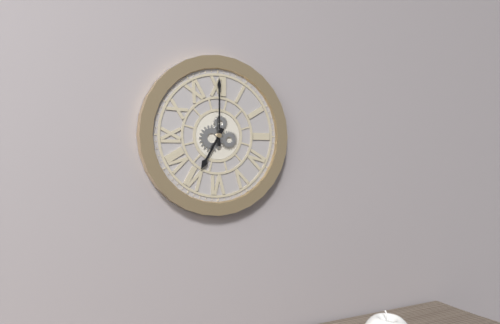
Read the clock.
7:00
